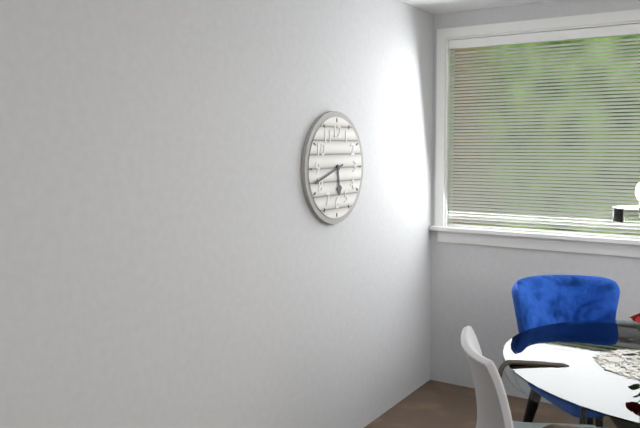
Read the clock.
5:42
